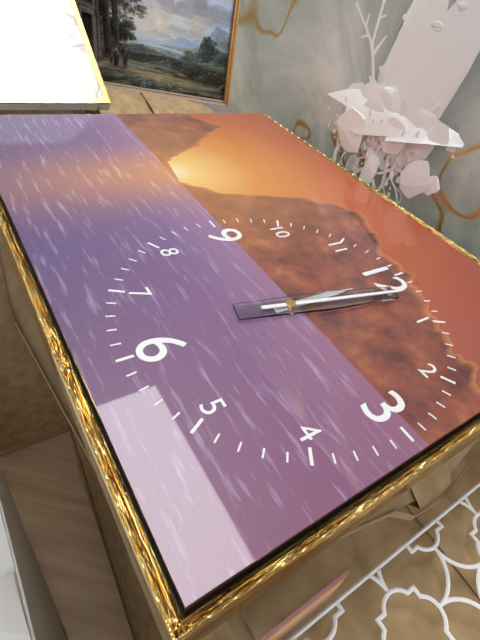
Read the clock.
12:02
